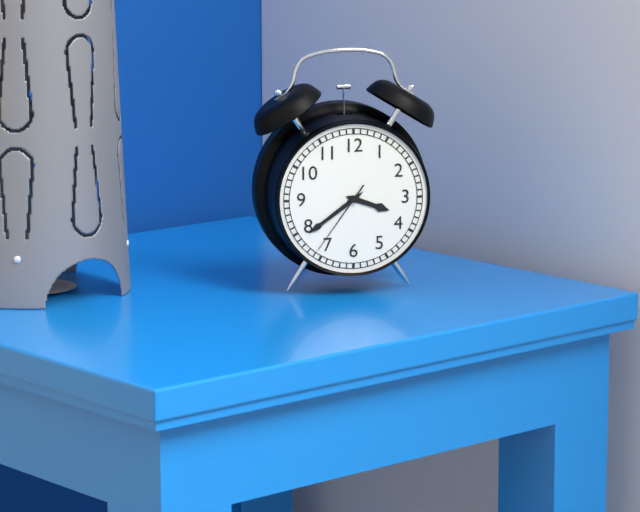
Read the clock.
3:39:36
